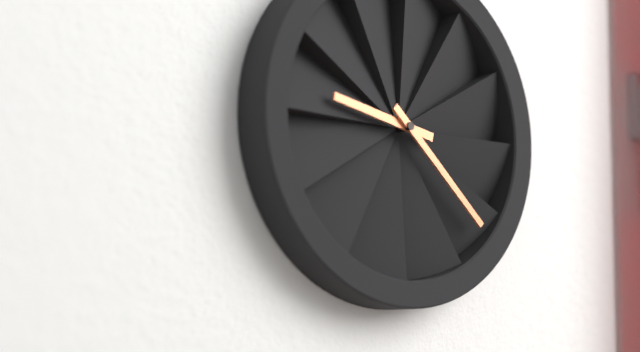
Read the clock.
9:22
